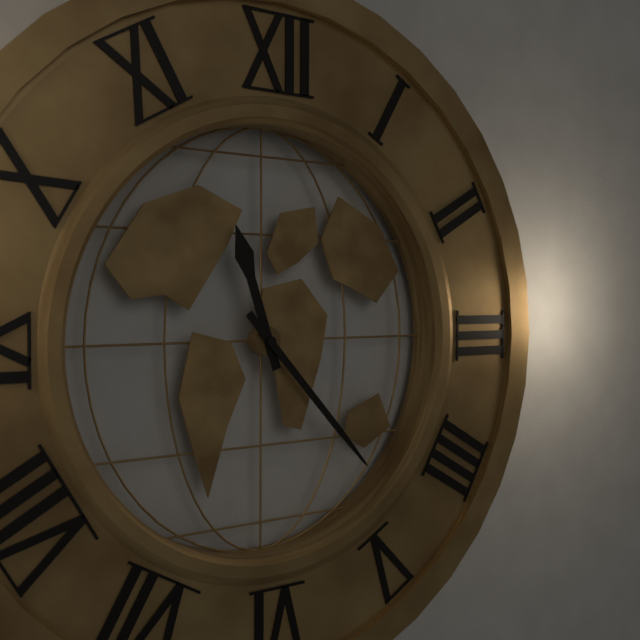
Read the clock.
11:23
